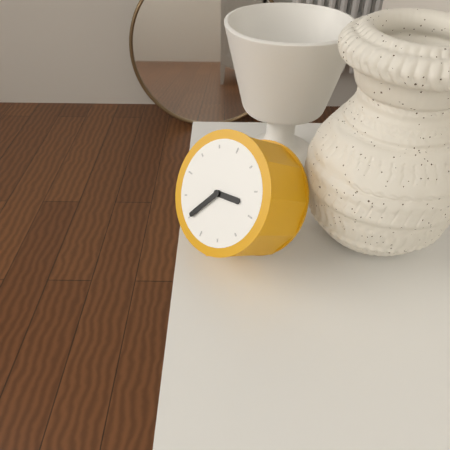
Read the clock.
2:35
